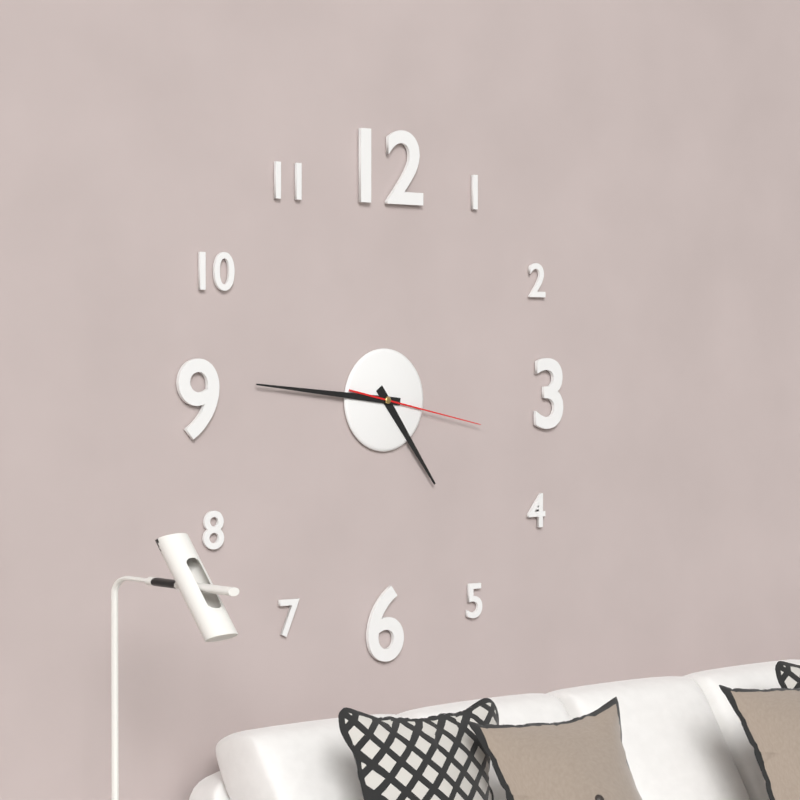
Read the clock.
4:46:17
